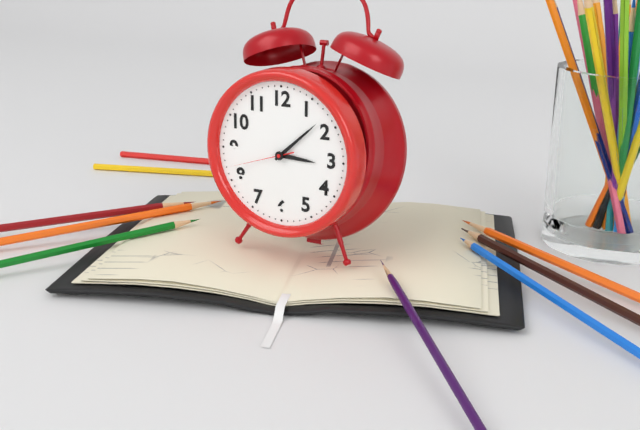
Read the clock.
3:08:42
